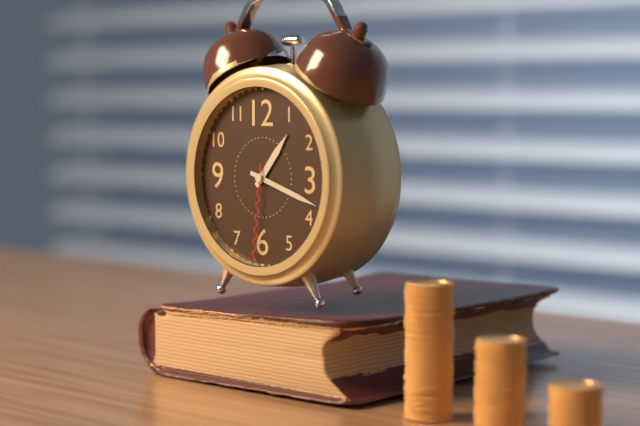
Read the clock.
1:18:31
